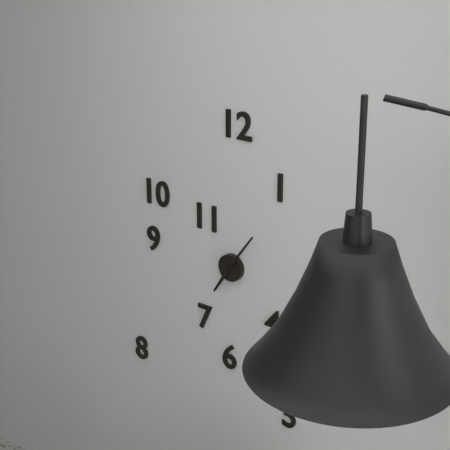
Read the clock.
7:06
